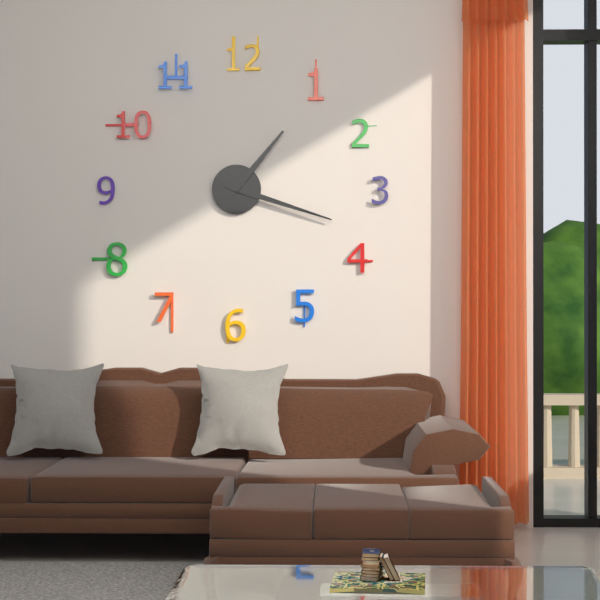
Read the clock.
1:18
